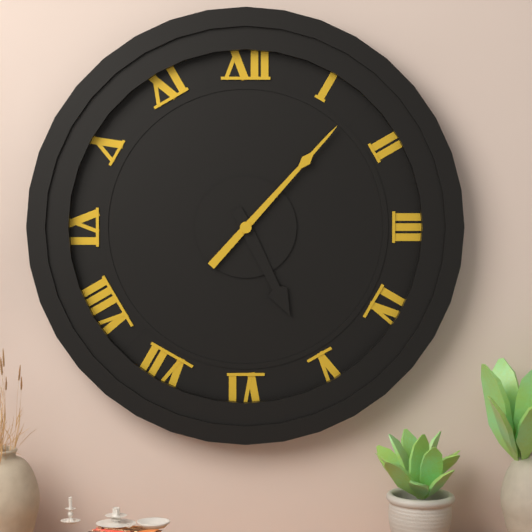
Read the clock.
5:07
